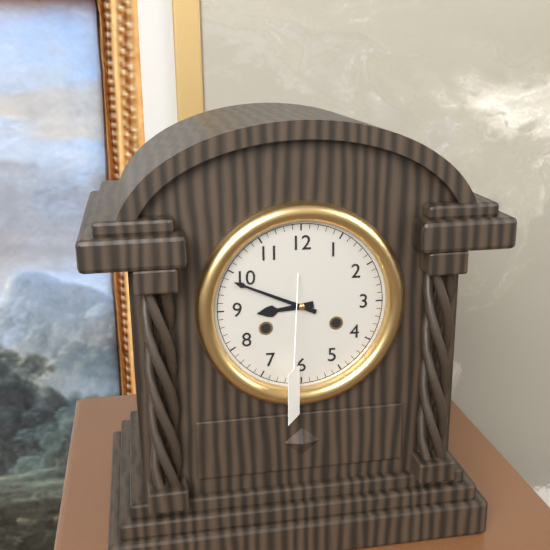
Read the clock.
8:49
